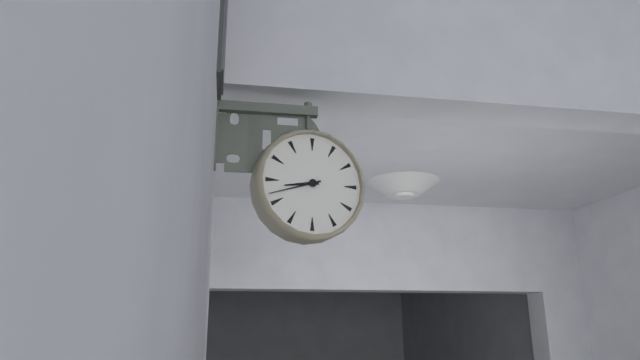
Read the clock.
8:42
